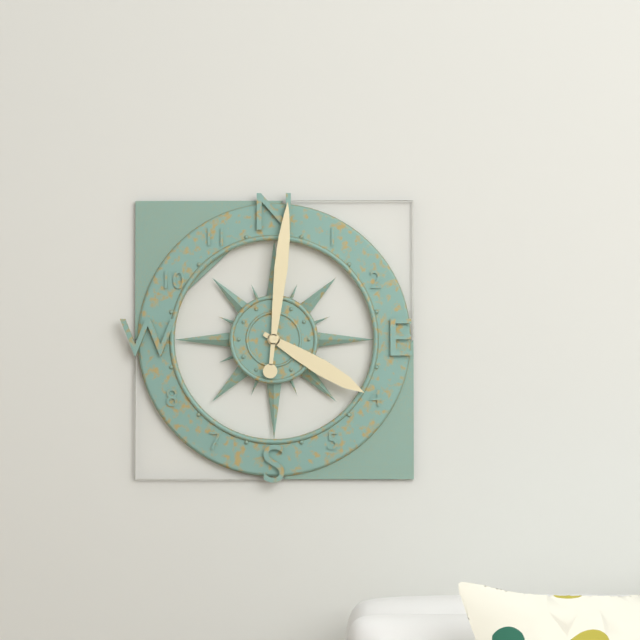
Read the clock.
4:01
